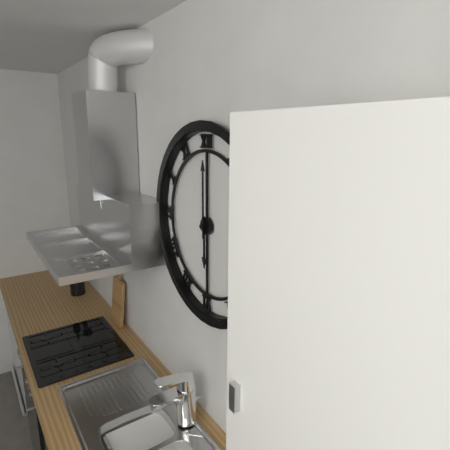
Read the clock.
6:00
